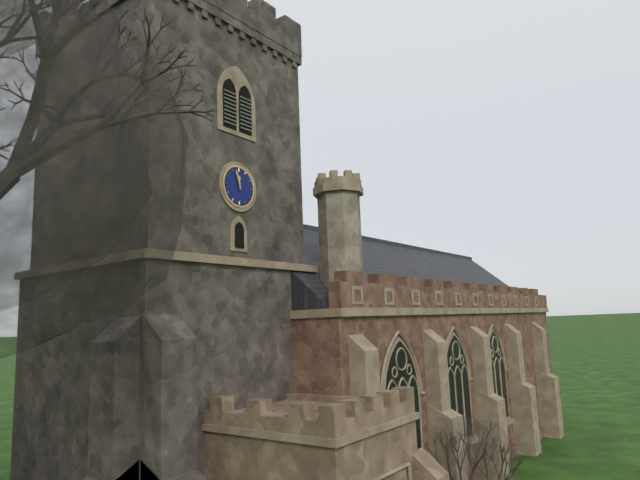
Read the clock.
11:57
